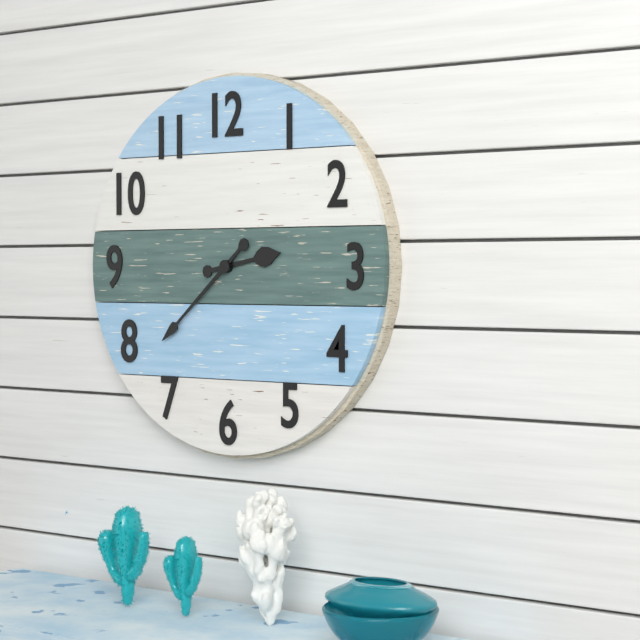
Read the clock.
2:38
